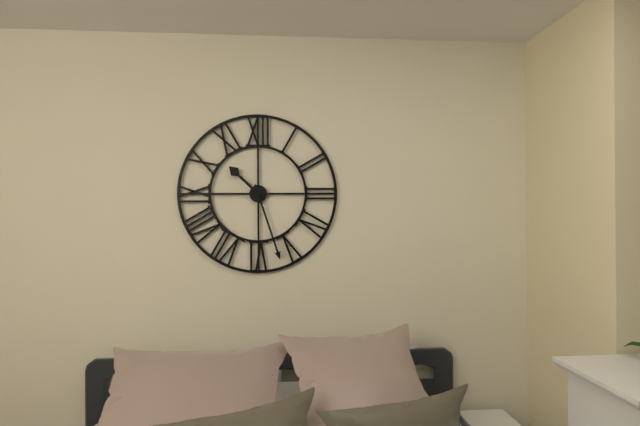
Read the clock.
10:27
